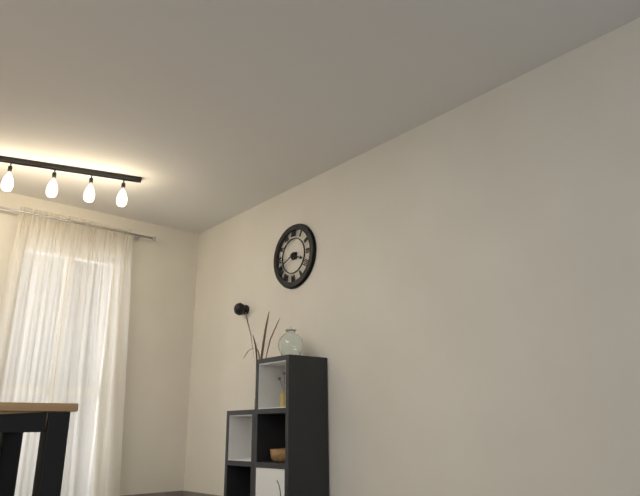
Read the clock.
3:41
